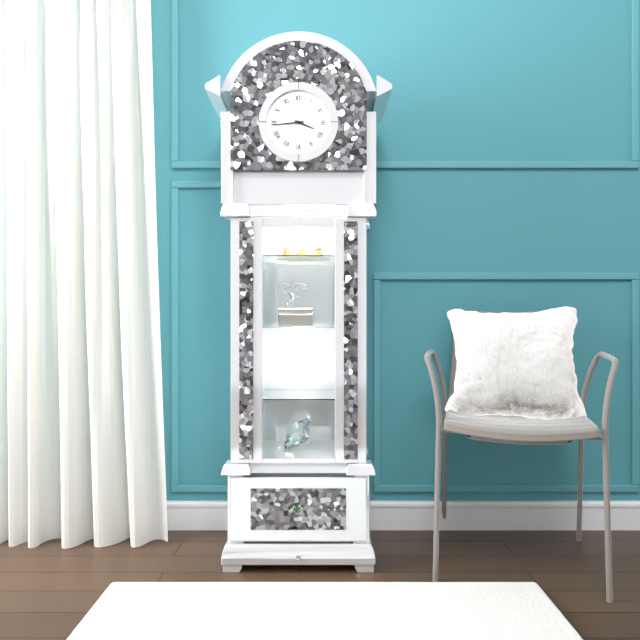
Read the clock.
3:44
